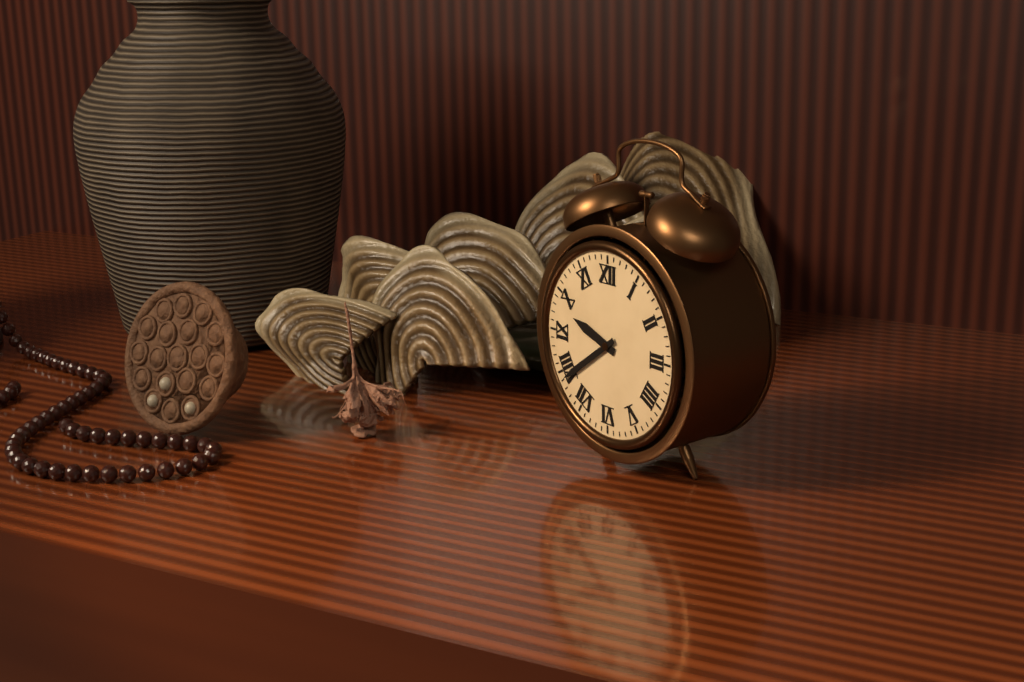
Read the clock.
9:39
